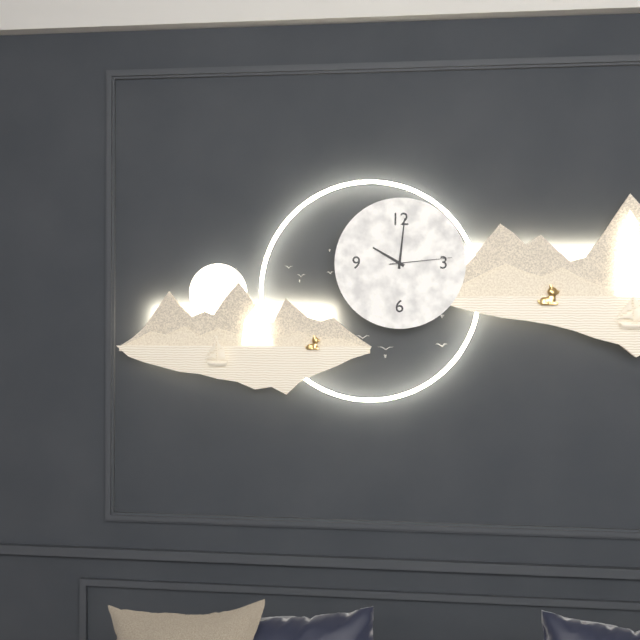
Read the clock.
10:01:14
